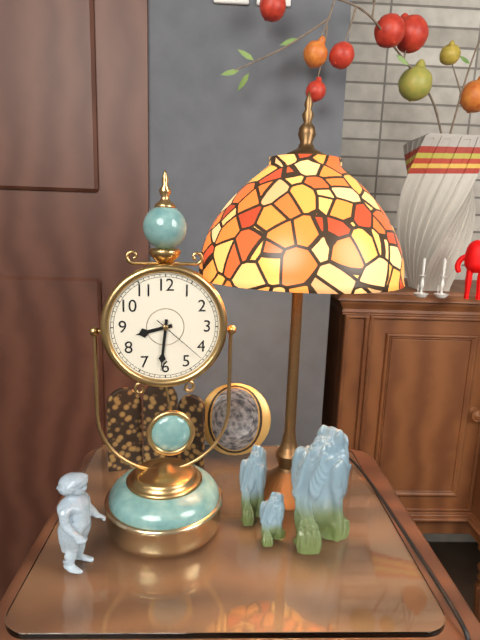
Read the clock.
8:31:22
